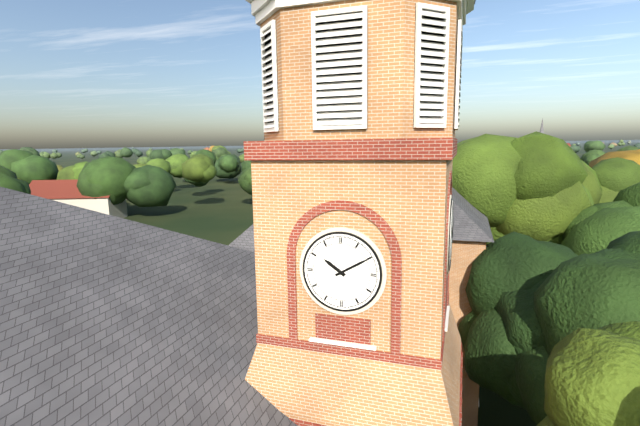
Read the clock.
10:10
